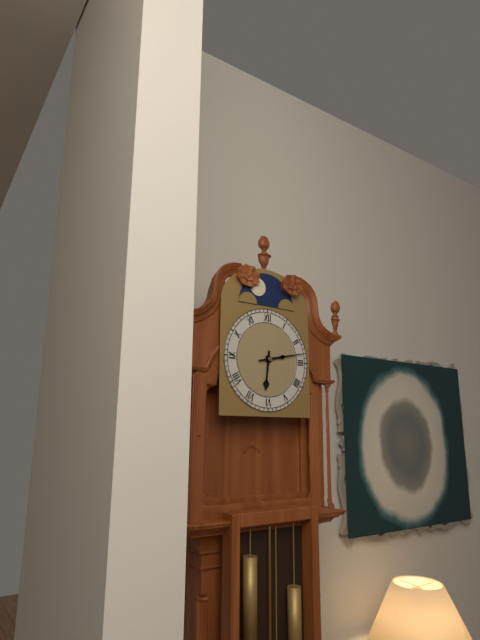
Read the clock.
6:13
